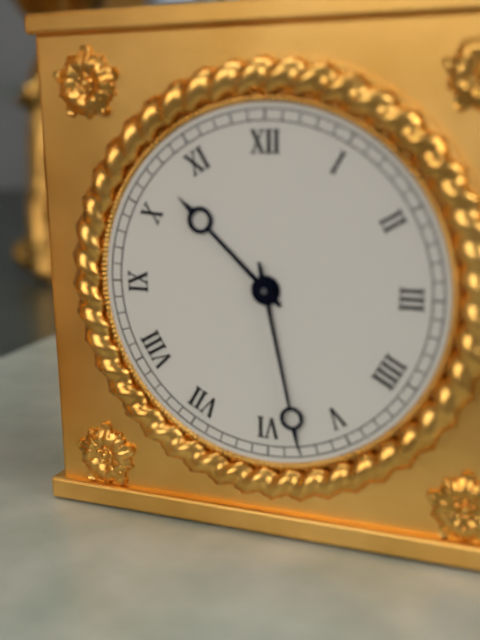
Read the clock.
10:28
